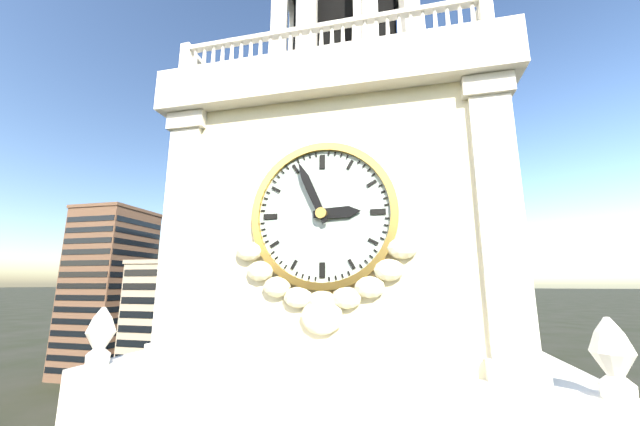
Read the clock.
2:56
